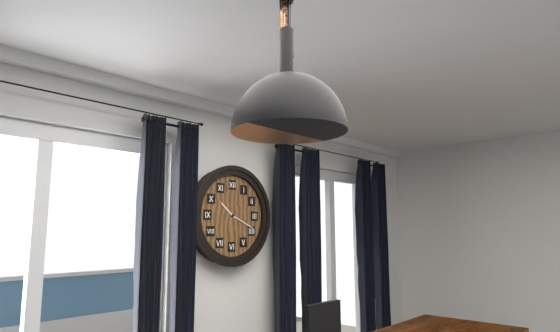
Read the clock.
10:19
